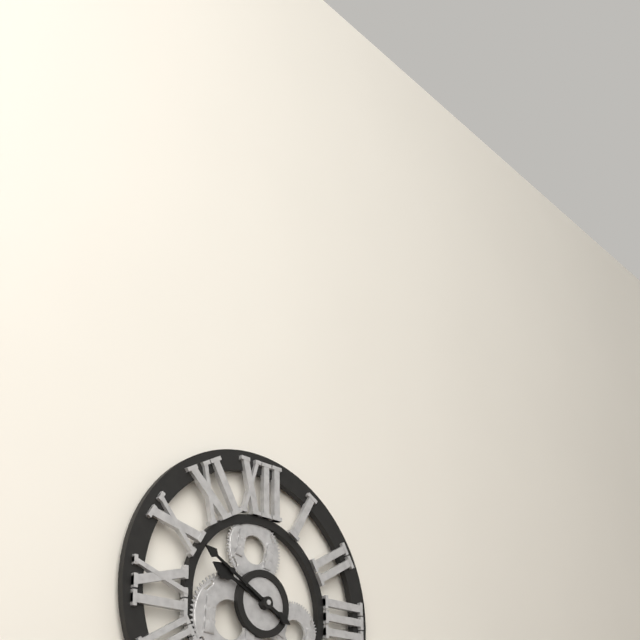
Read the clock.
9:50
